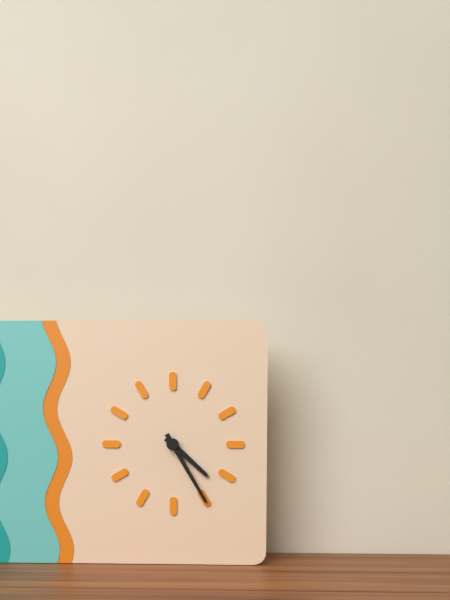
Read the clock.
4:25
